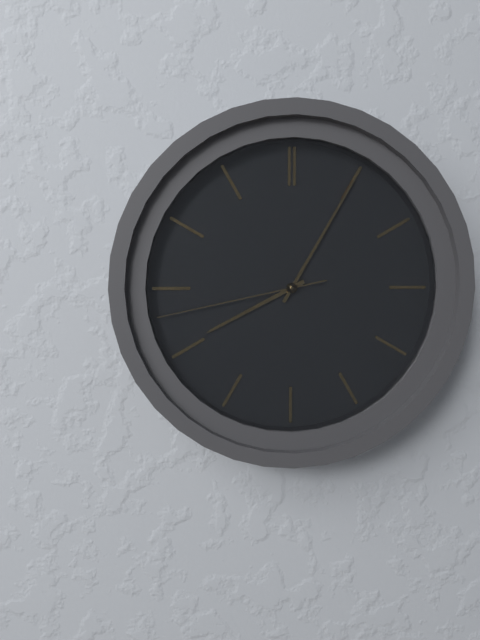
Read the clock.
8:05:43
